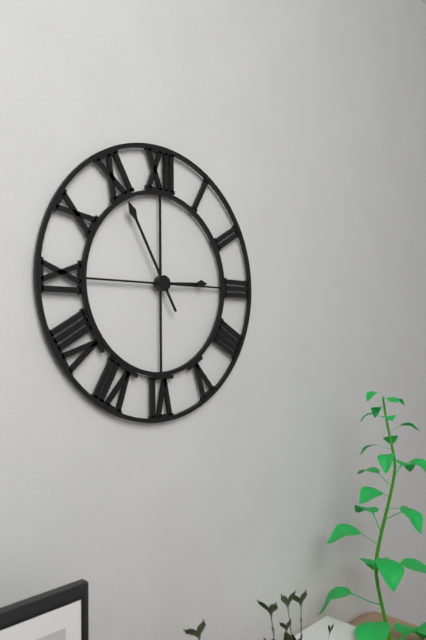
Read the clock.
2:55
